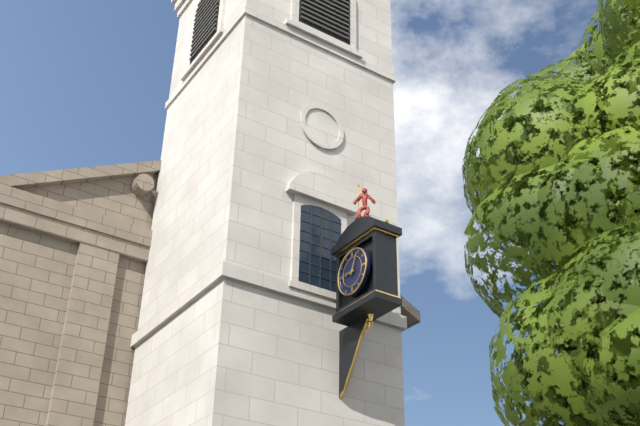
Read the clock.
9:04
